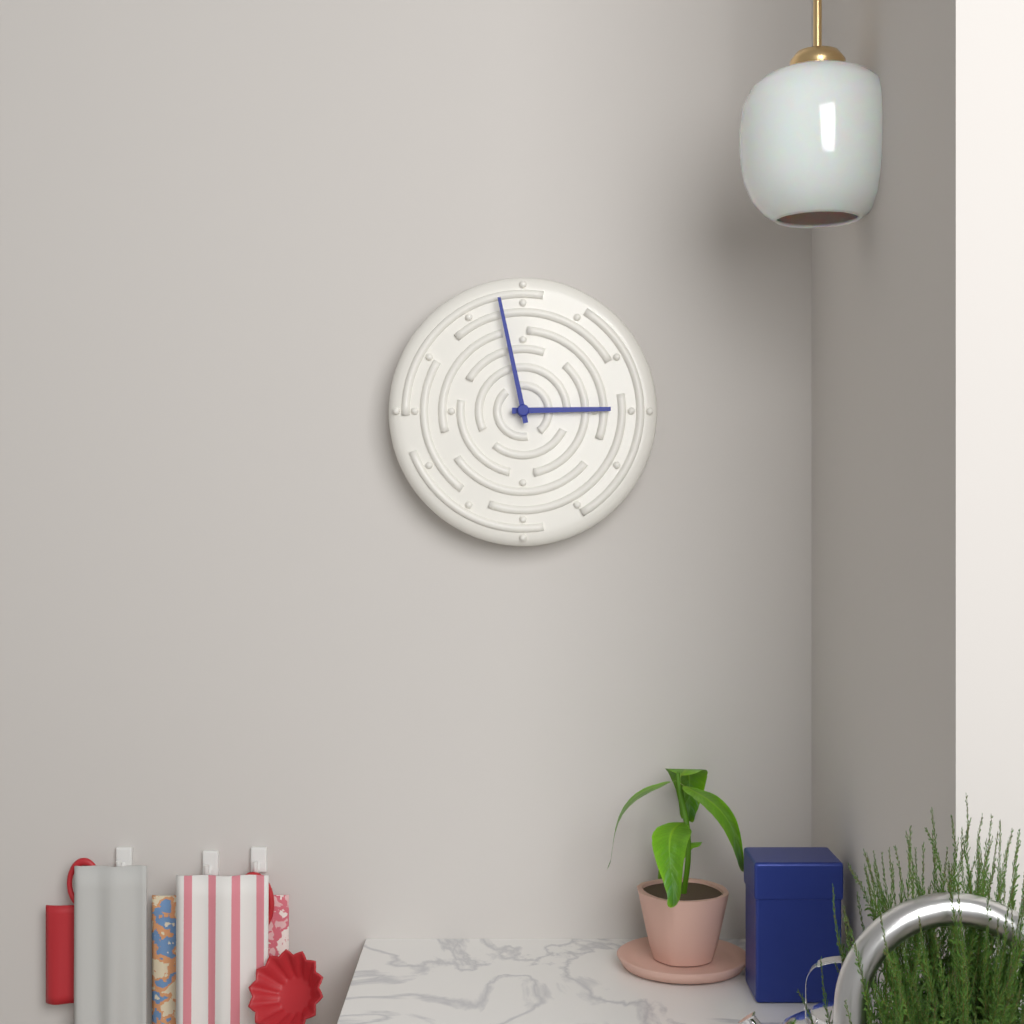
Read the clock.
2:58
